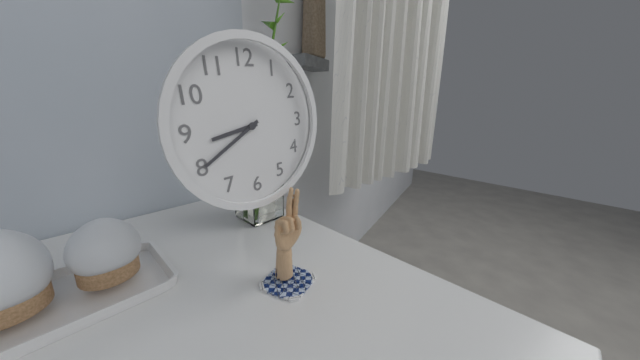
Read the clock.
8:40
